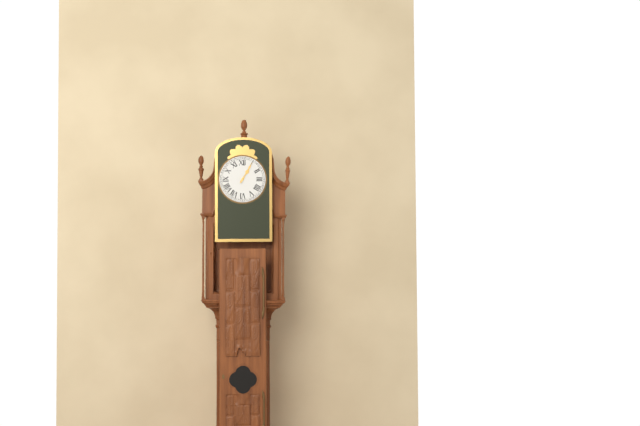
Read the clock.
1:05
